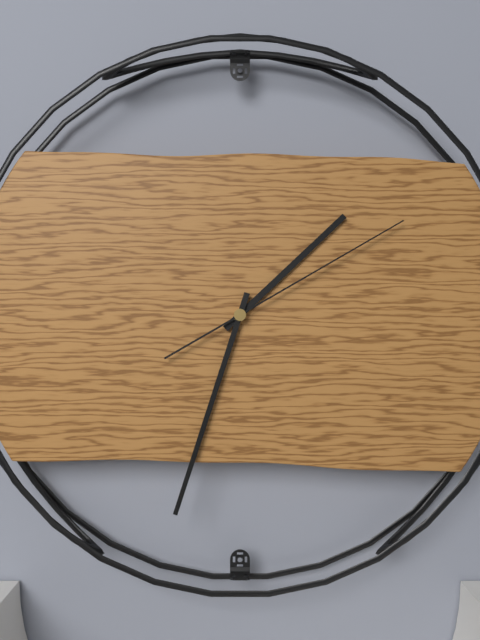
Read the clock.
1:33:10
